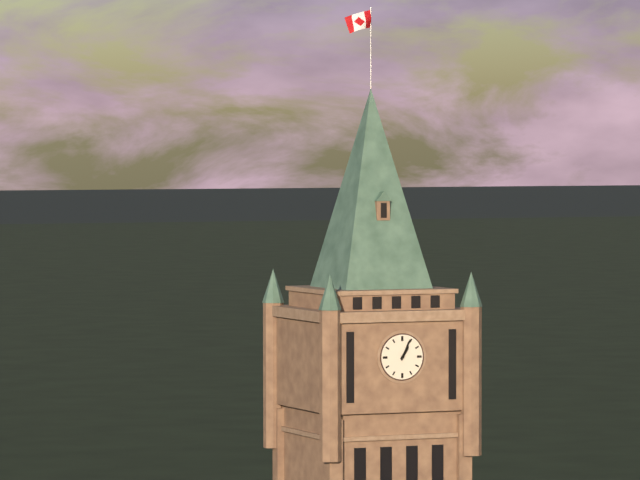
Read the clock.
1:04
